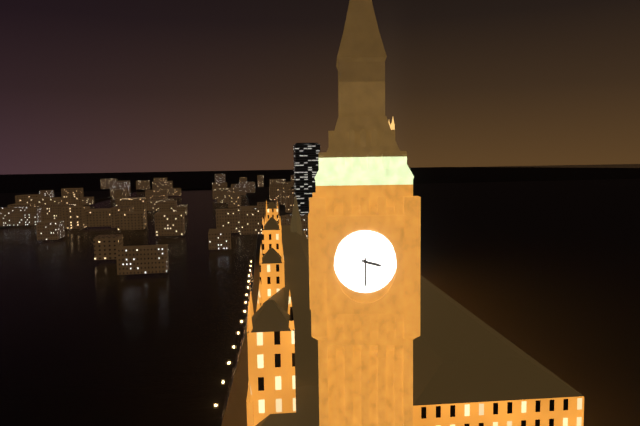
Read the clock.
3:30
